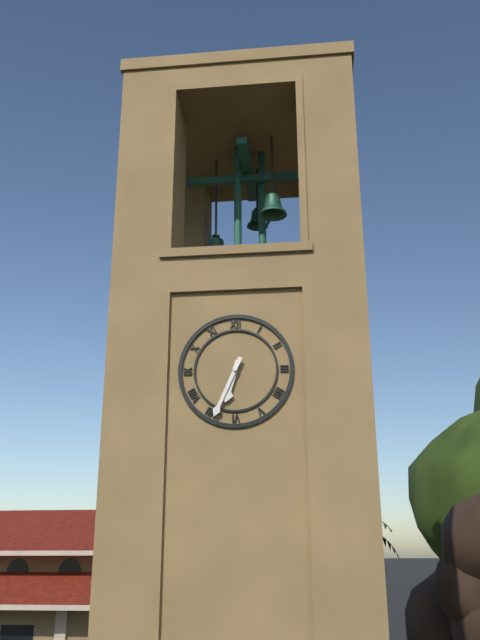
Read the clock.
6:34
